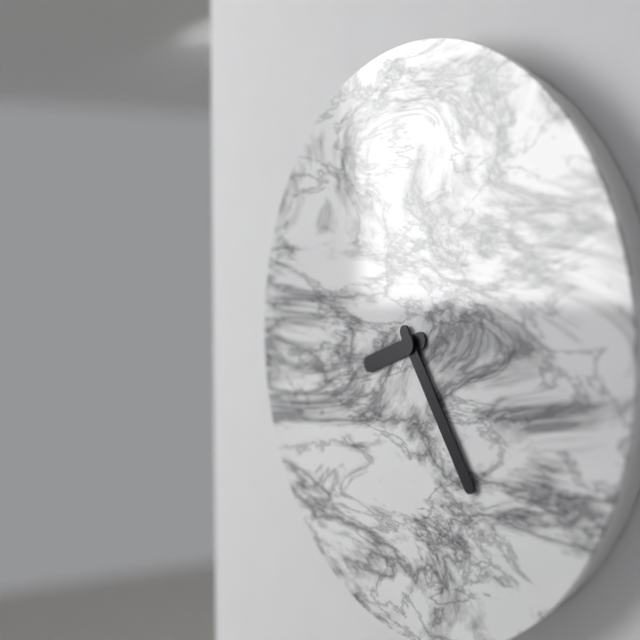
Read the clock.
8:24
